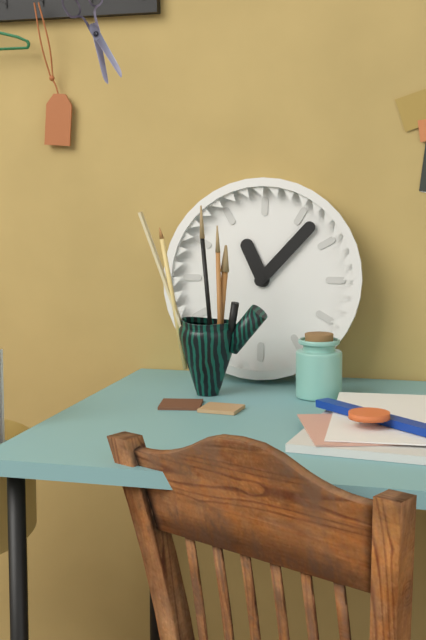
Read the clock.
11:07
